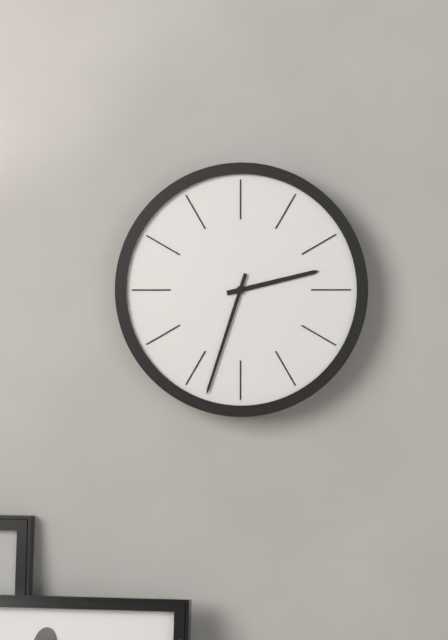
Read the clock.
2:33
